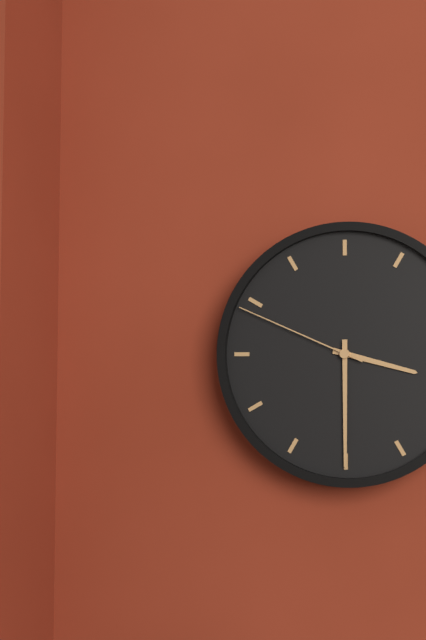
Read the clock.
3:30:49
